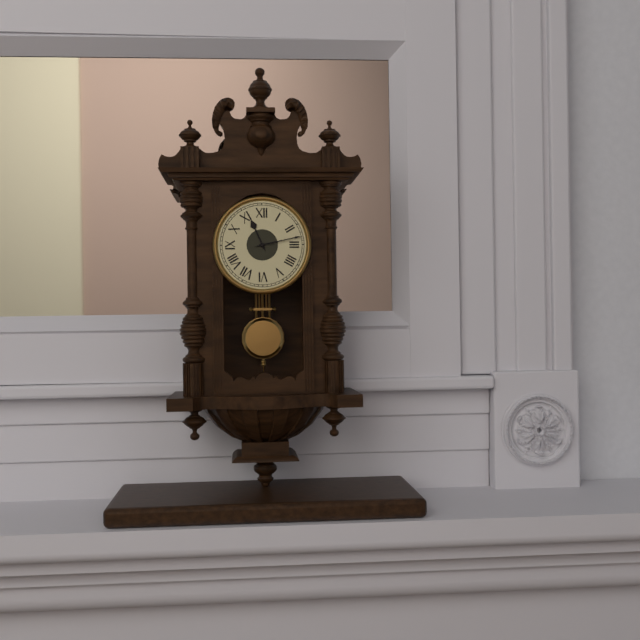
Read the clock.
11:13
